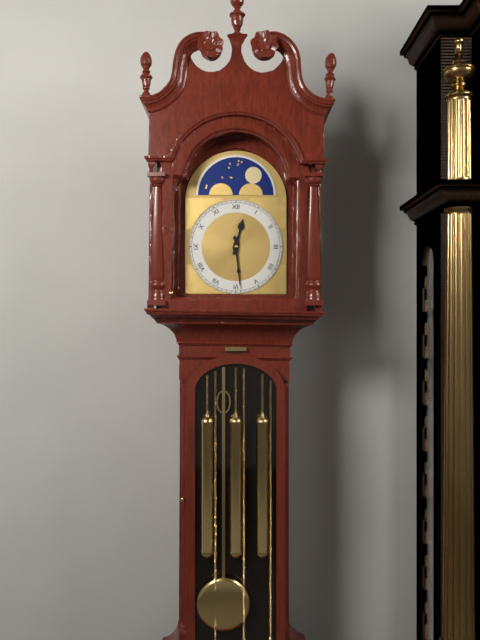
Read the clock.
12:29
